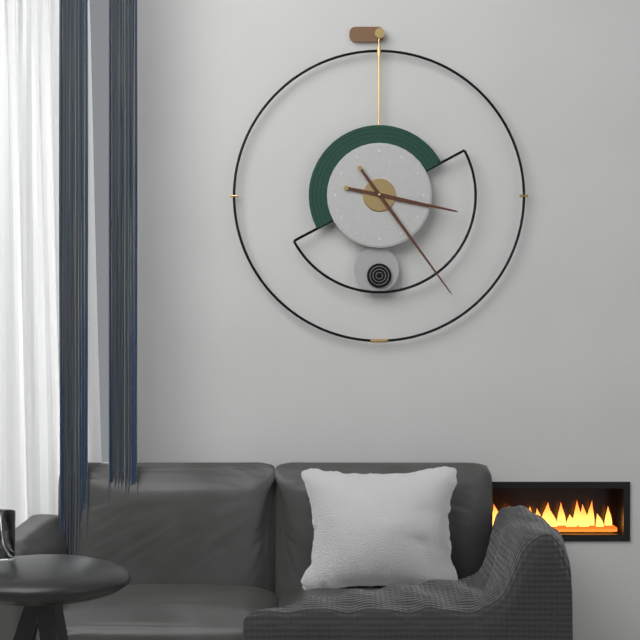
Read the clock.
3:24
